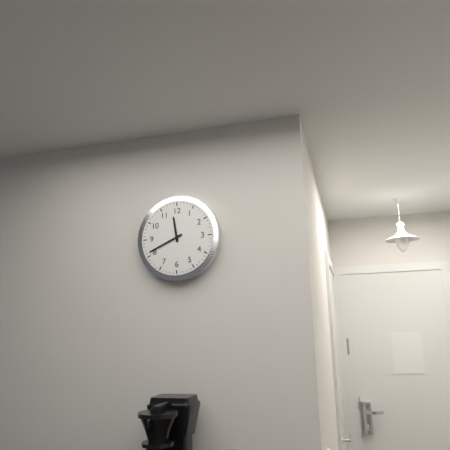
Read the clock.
11:41
